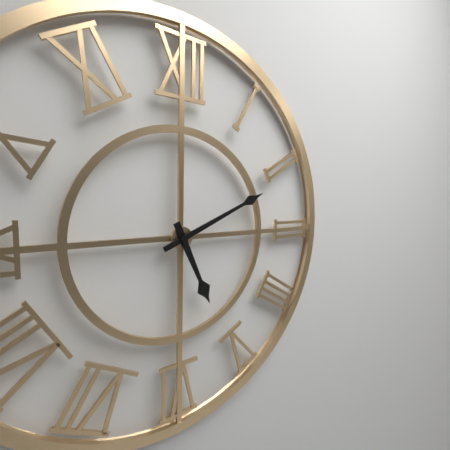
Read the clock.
5:11
